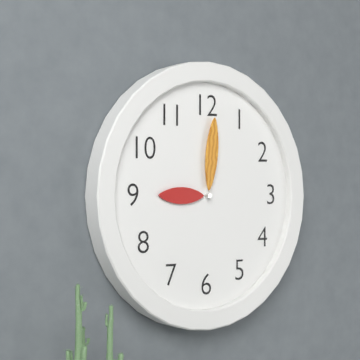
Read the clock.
9:01
